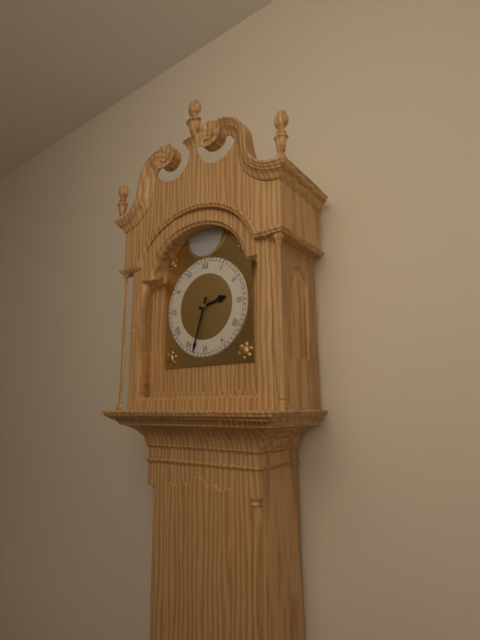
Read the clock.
2:33
